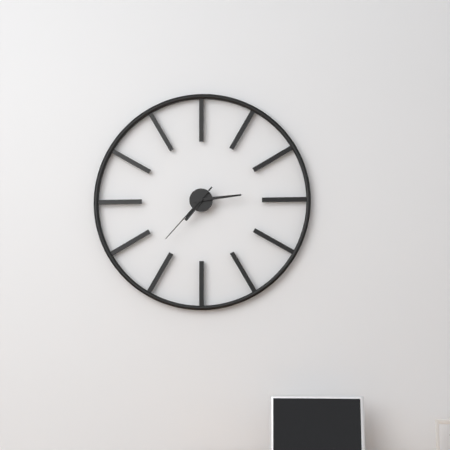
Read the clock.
7:14:37
